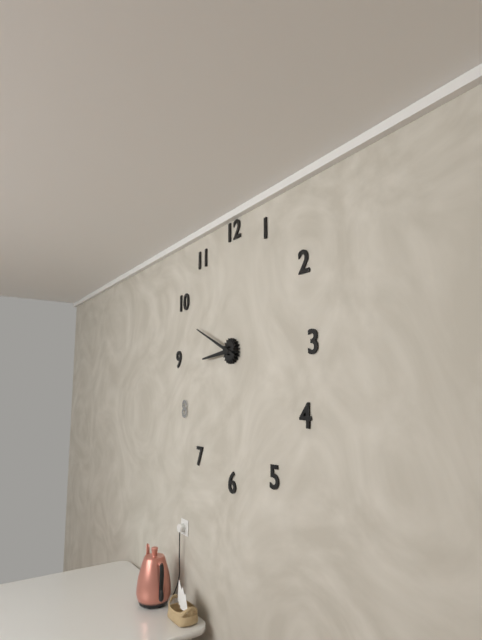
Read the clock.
8:49
